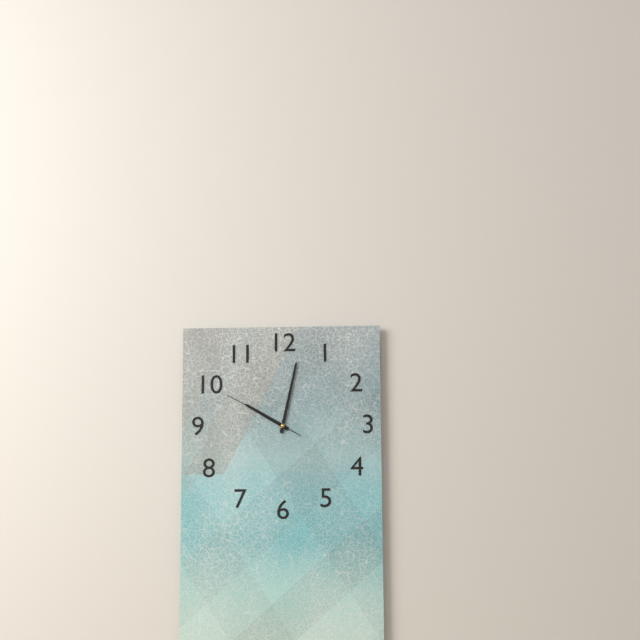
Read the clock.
10:02:50
